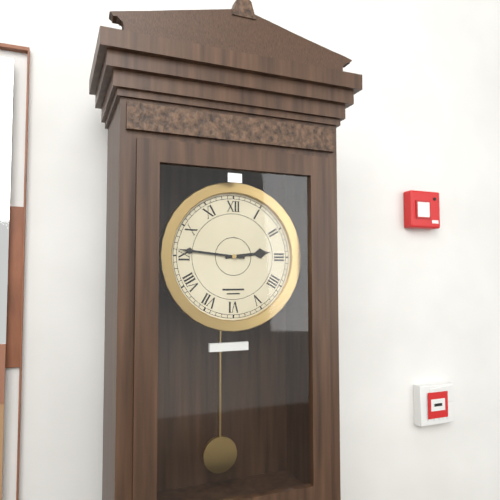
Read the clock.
2:46
